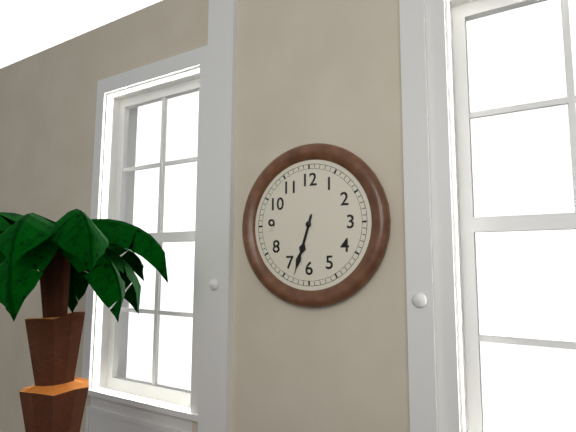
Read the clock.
6:33
